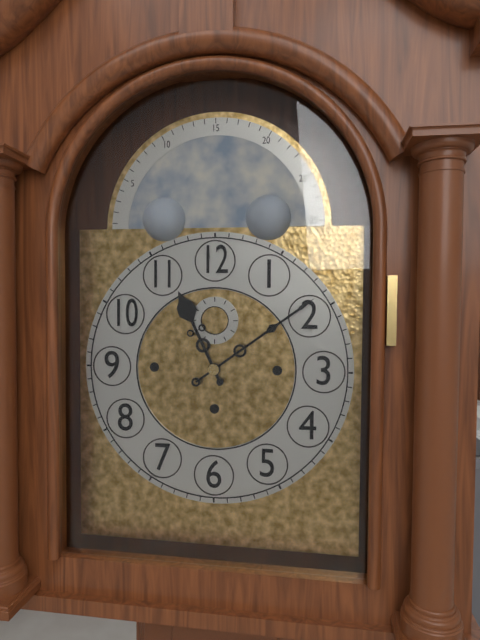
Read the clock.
11:09
